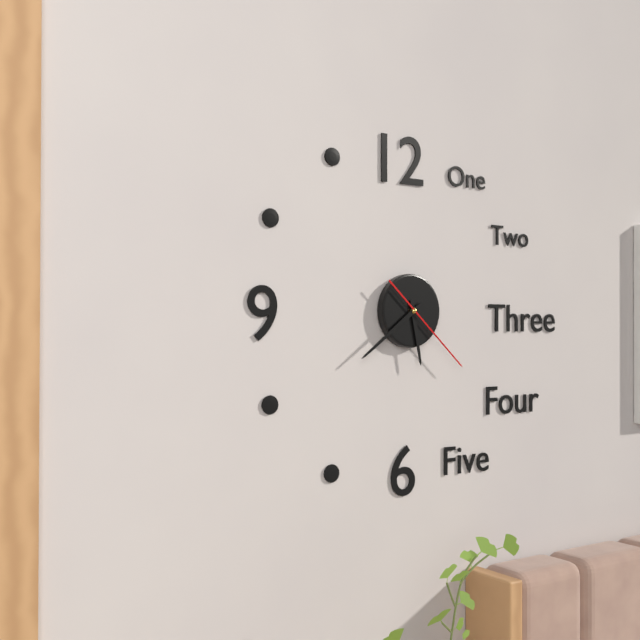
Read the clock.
5:39:22
